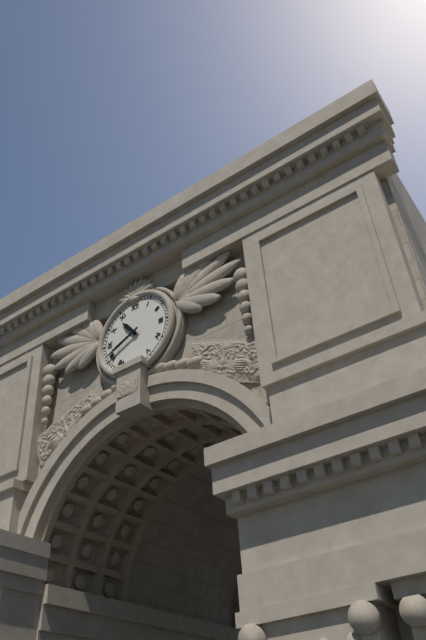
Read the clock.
10:41
